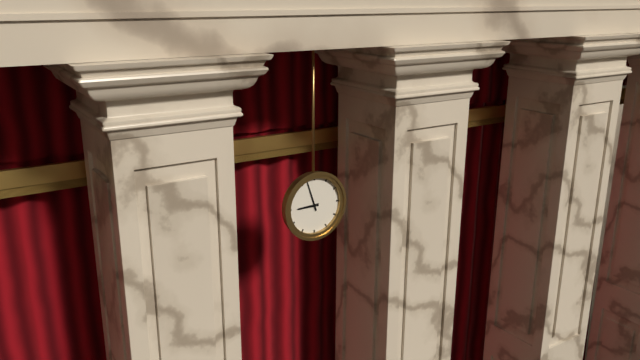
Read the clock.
8:57
